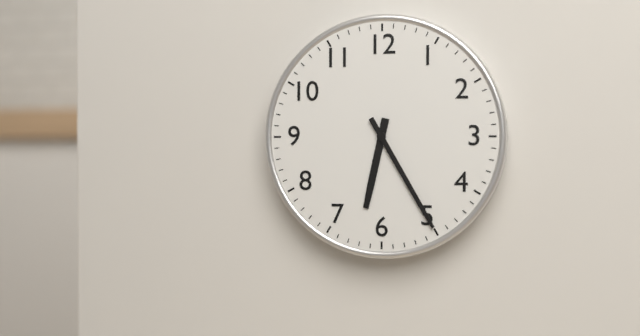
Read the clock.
6:25
